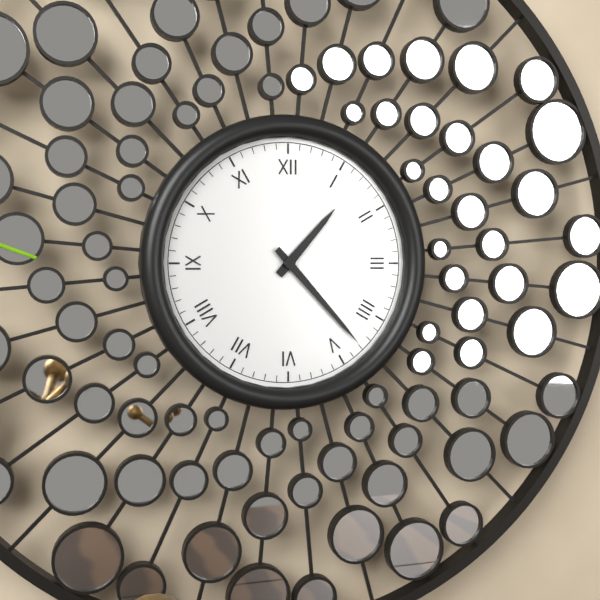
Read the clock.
1:23
